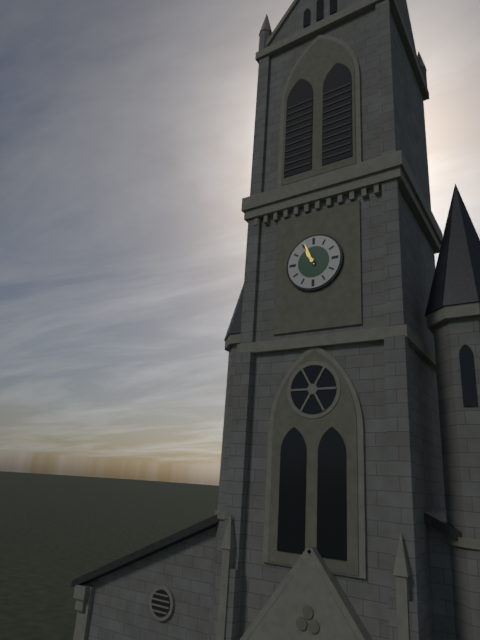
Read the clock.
10:56
